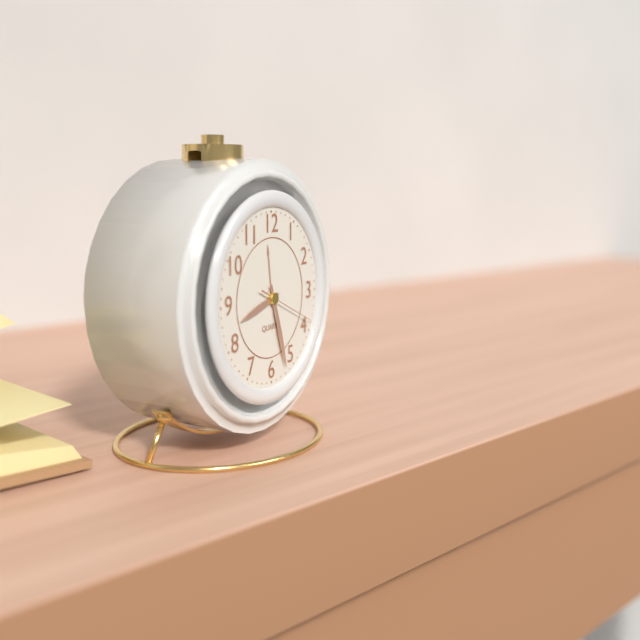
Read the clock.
8:27:19
